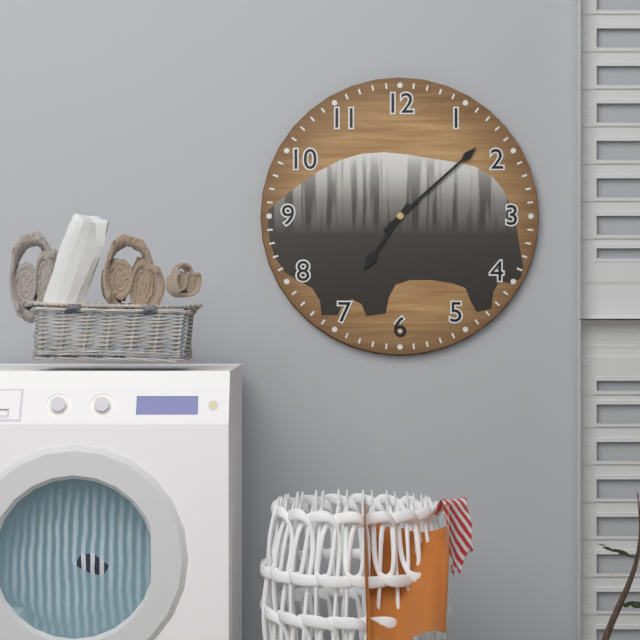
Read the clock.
7:08
